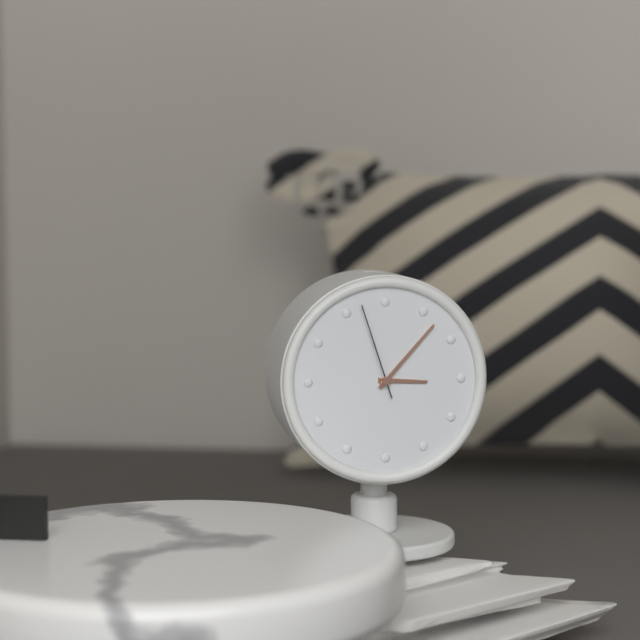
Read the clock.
3:07:57
